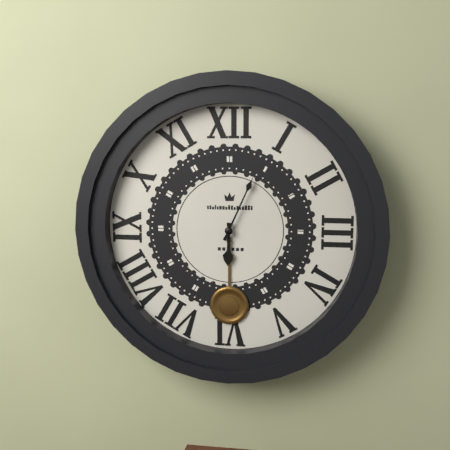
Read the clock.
6:04
